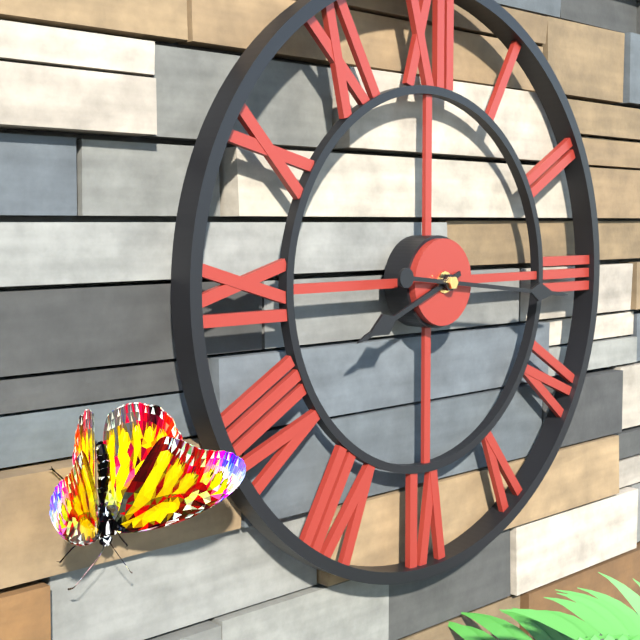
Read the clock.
8:16
